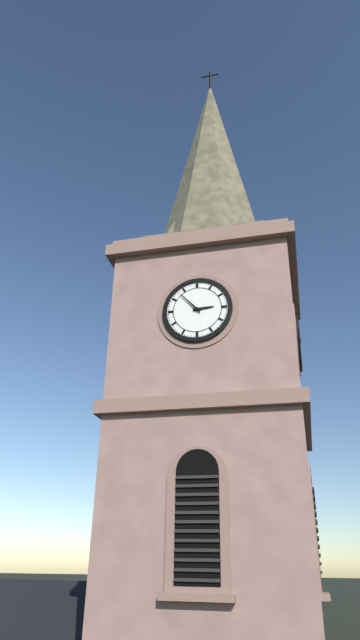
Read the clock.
2:53
